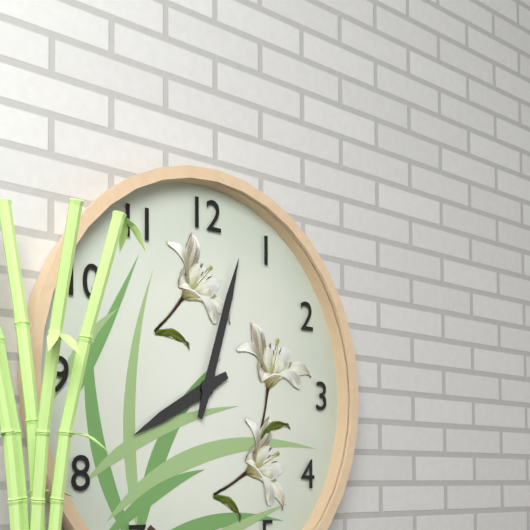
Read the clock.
8:03
